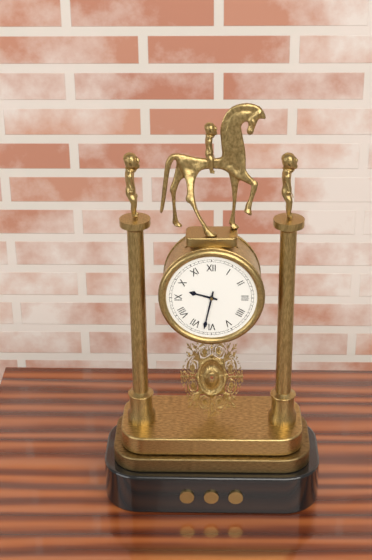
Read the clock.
9:32
